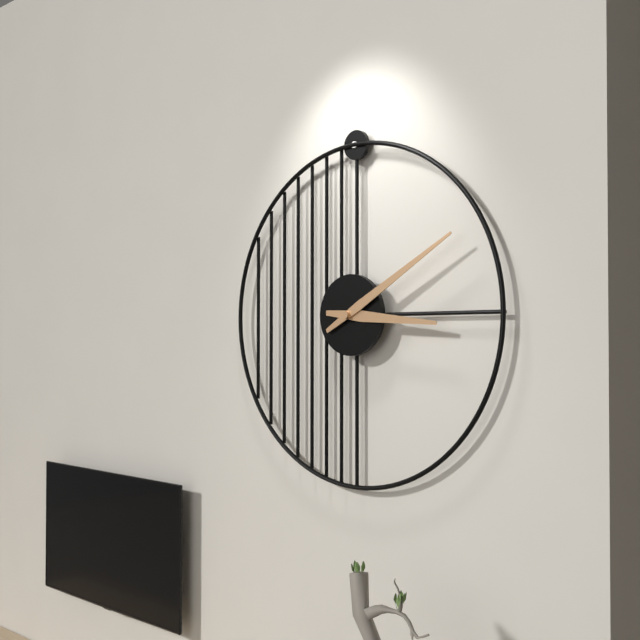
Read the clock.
3:10
